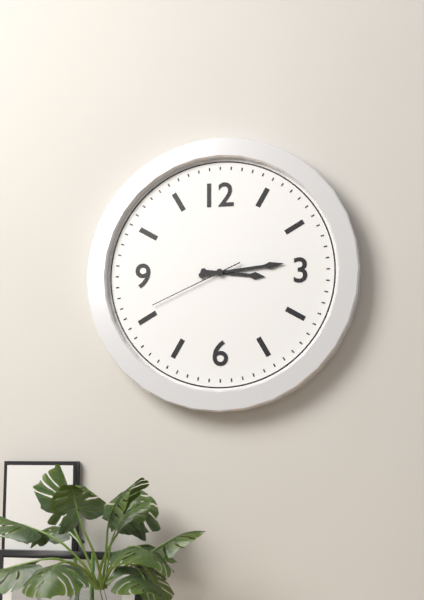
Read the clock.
3:14:41
